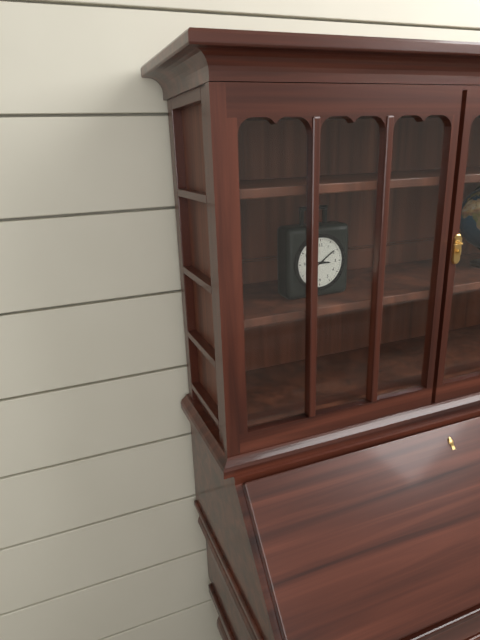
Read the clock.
3:09
